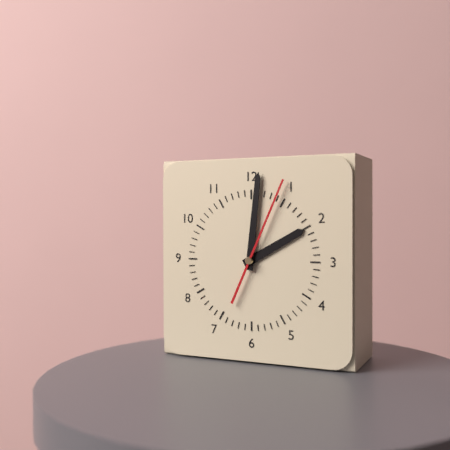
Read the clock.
2:01:04
